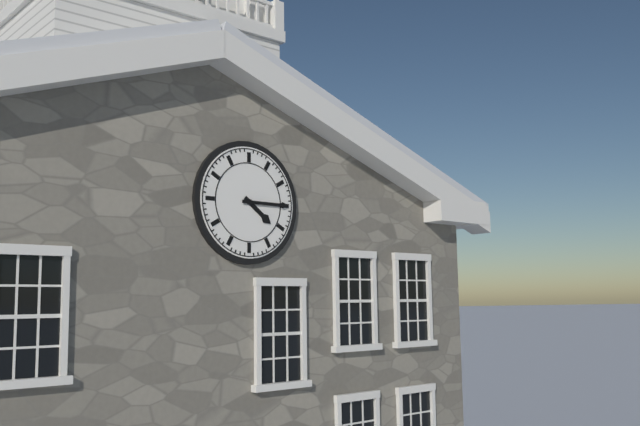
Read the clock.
4:15
